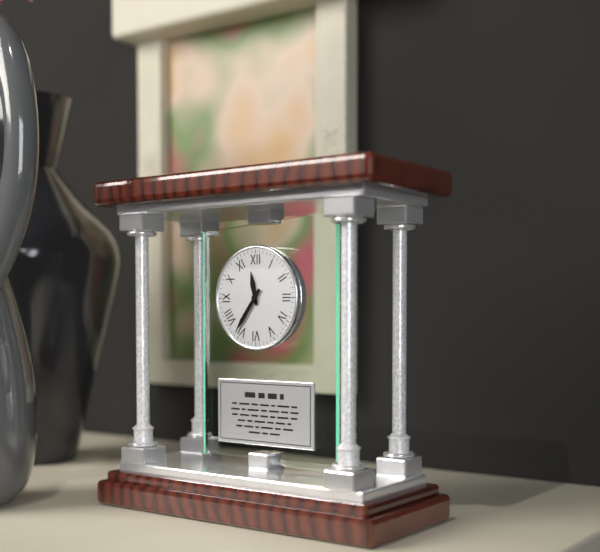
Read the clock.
11:36
